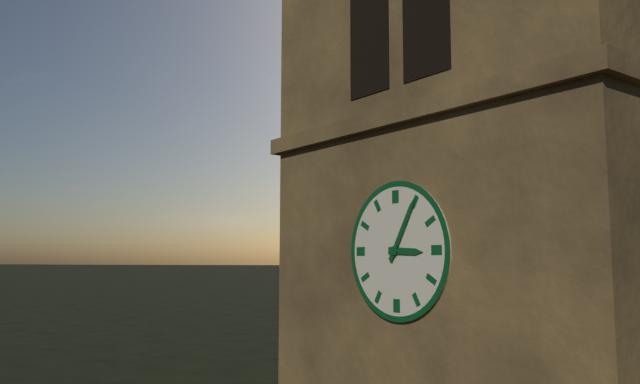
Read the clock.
3:05
